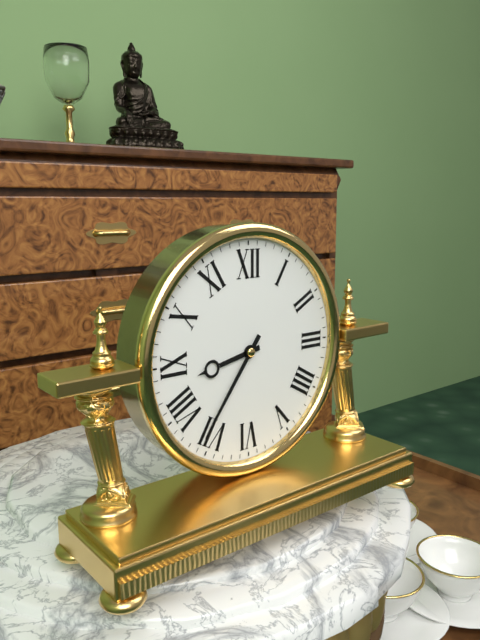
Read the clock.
8:36
